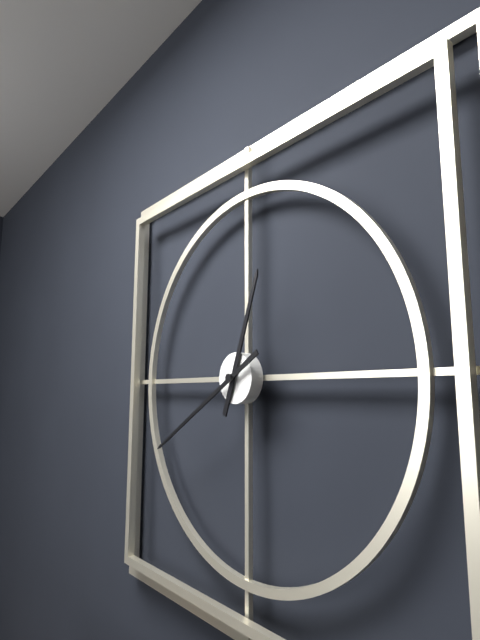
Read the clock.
12:40
